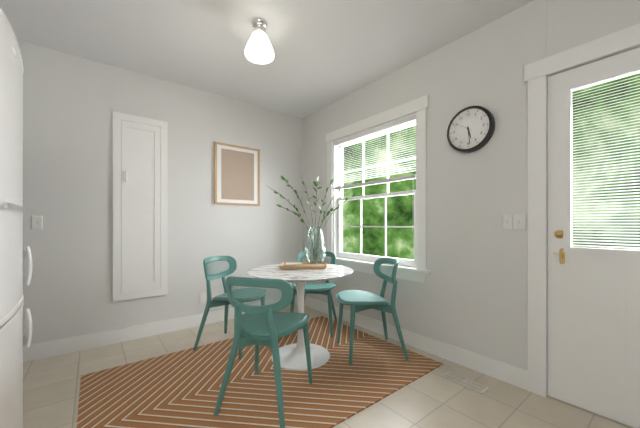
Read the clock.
5:29
